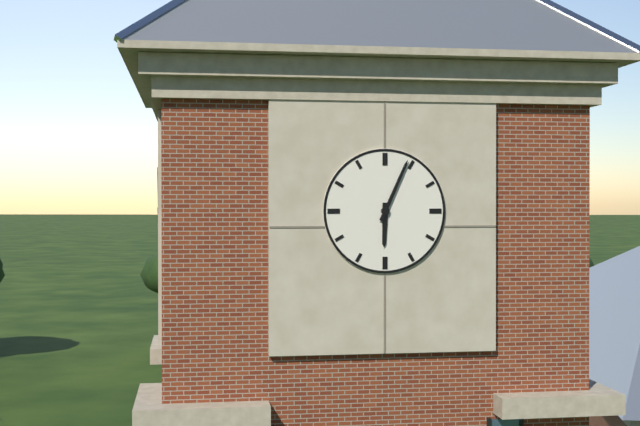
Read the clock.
6:04
